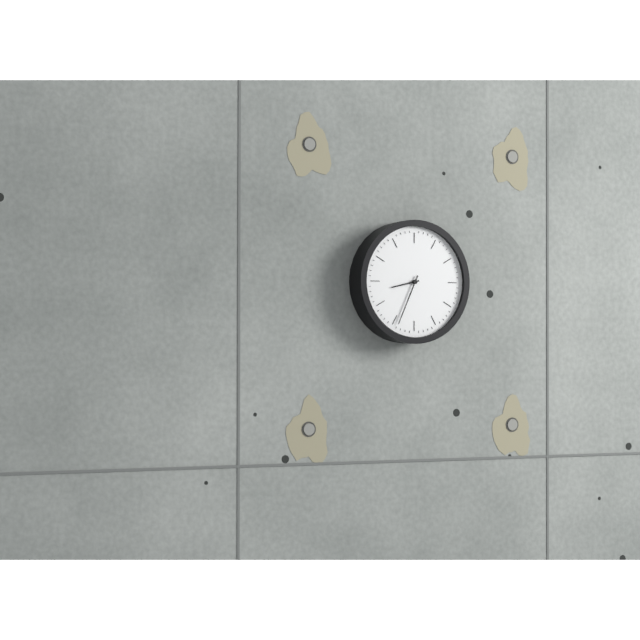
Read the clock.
8:34
